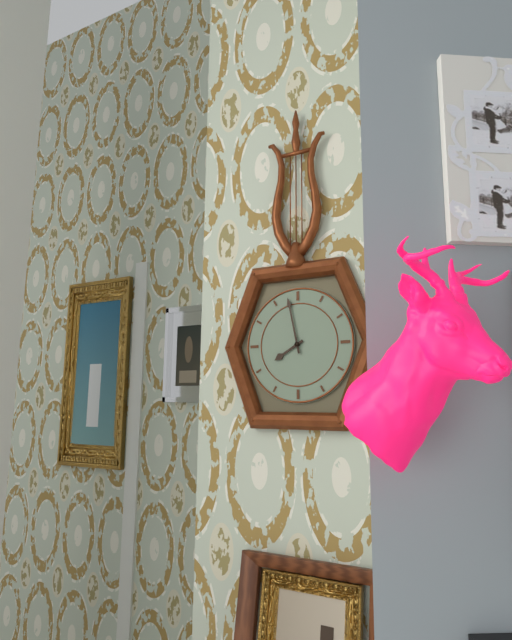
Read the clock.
7:58
